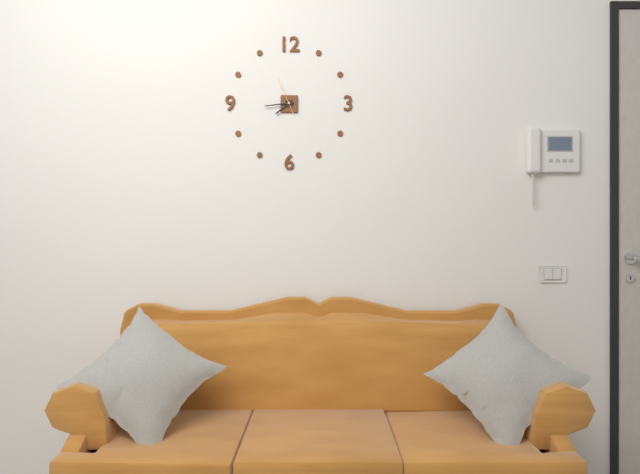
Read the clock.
7:44
